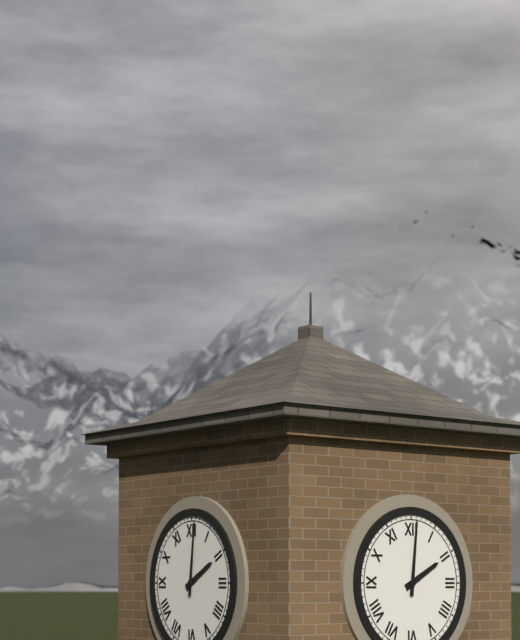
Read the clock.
2:01
